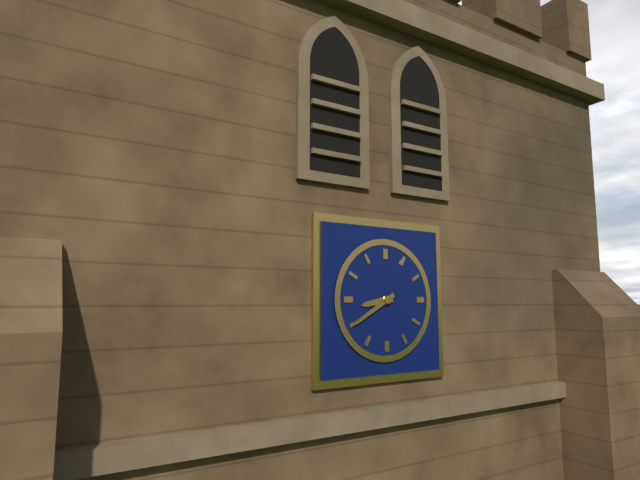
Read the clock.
8:40
